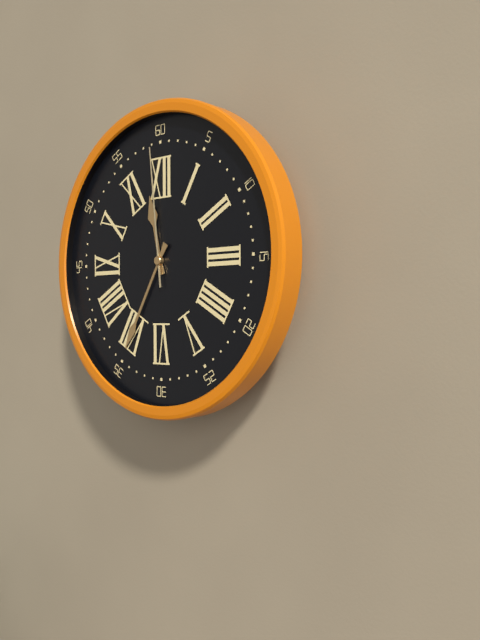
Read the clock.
11:35:59
